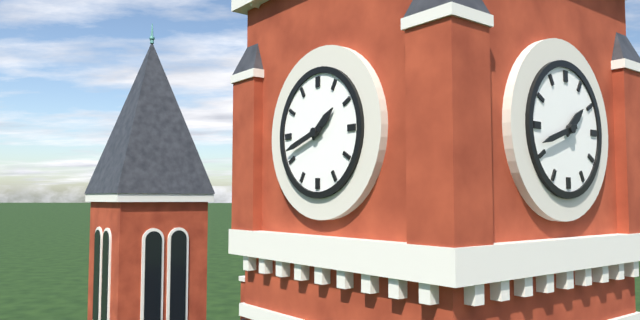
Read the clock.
1:42
